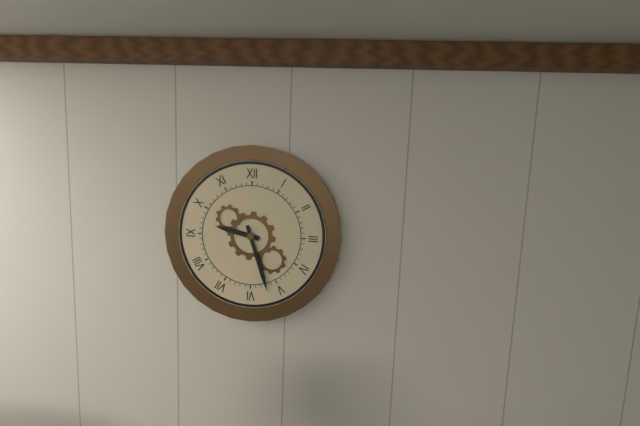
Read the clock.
9:27
